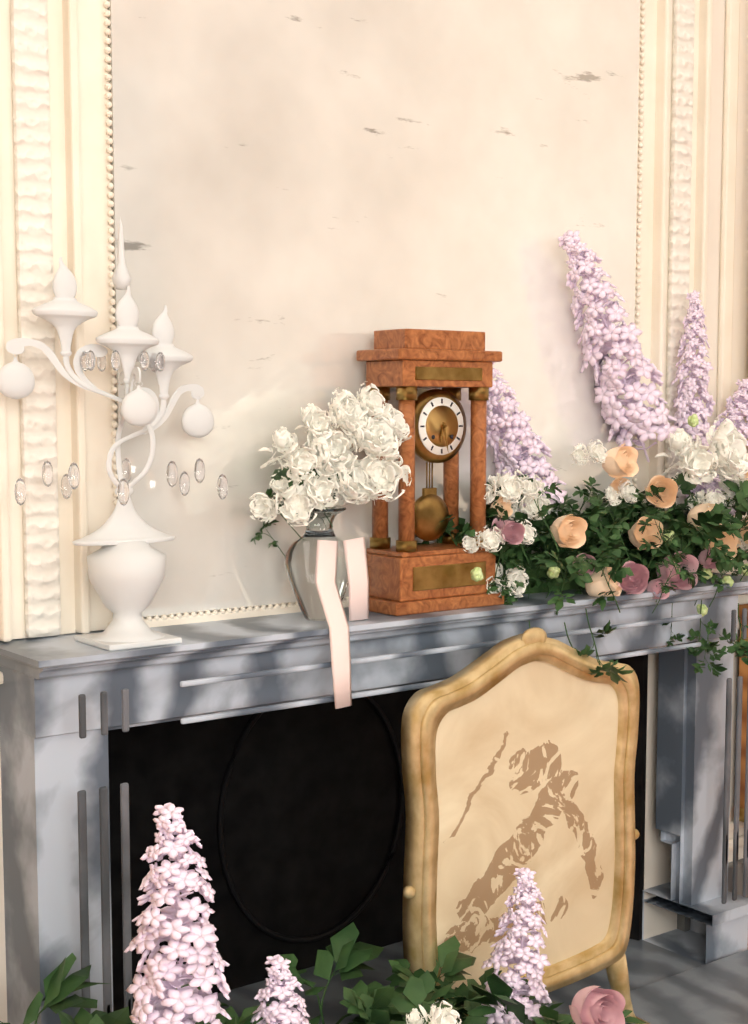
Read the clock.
6:28
